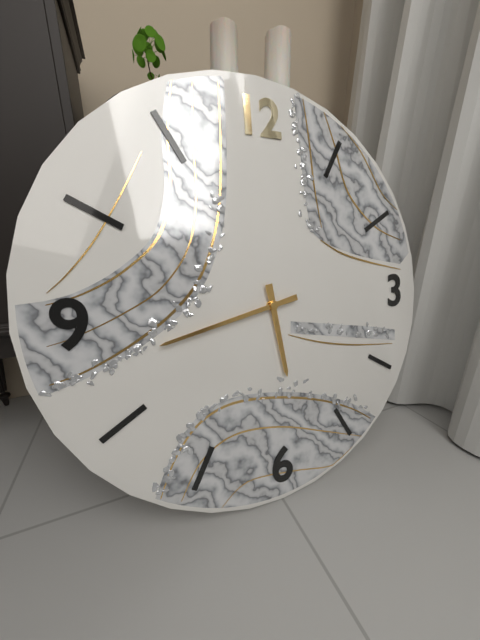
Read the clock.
5:43
